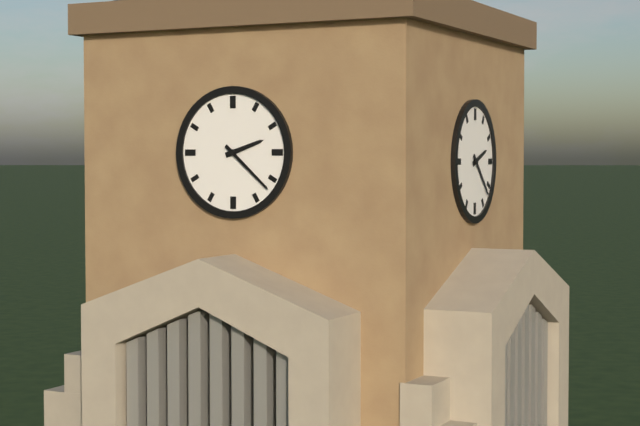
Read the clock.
2:22
